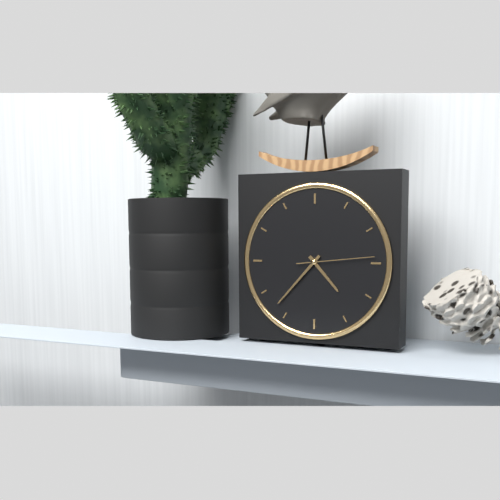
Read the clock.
4:37:14
